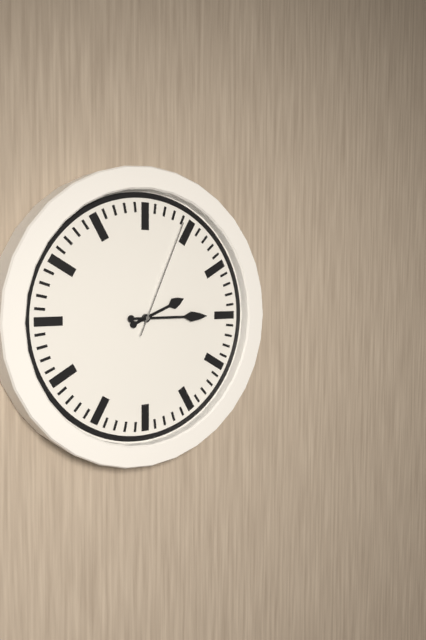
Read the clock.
2:15:04
